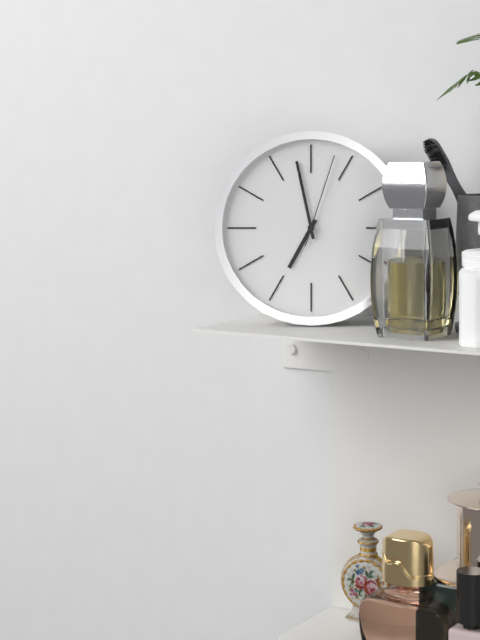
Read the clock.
6:58:03
